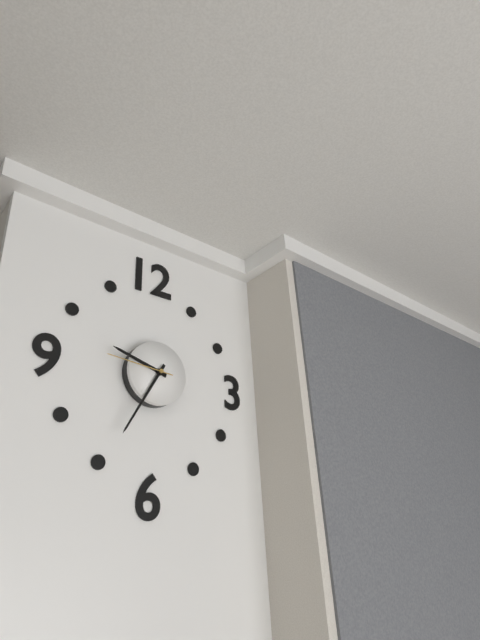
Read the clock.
9:35:46
